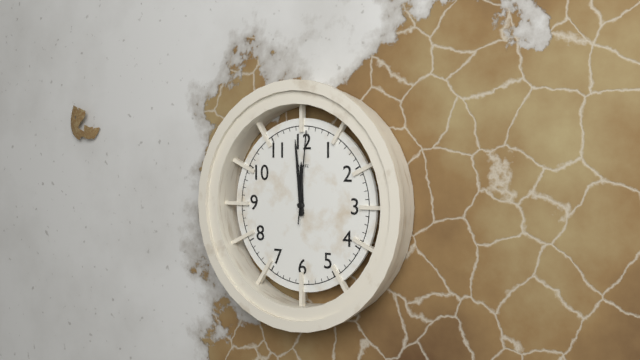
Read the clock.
11:59:01
